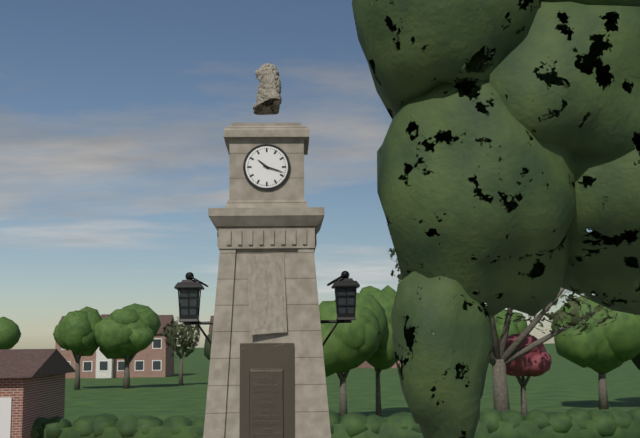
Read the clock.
10:18
